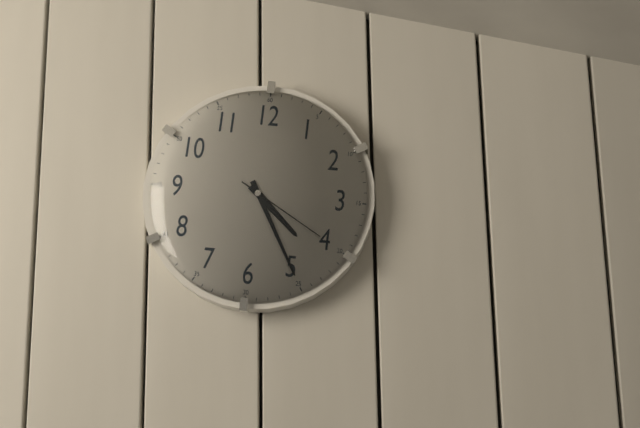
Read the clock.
4:25:20
